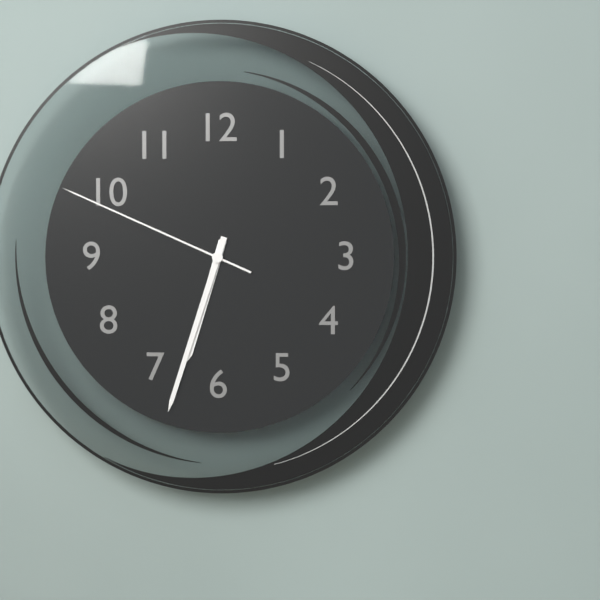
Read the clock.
6:33:49
